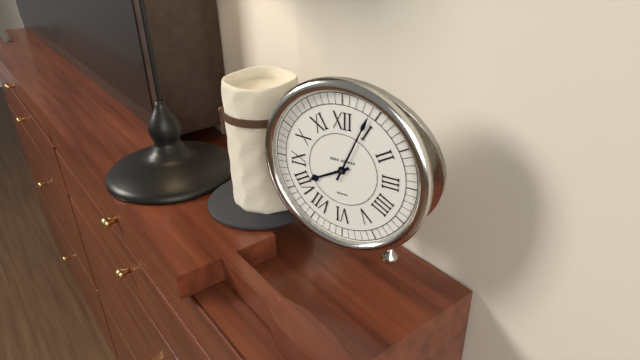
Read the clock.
8:04
